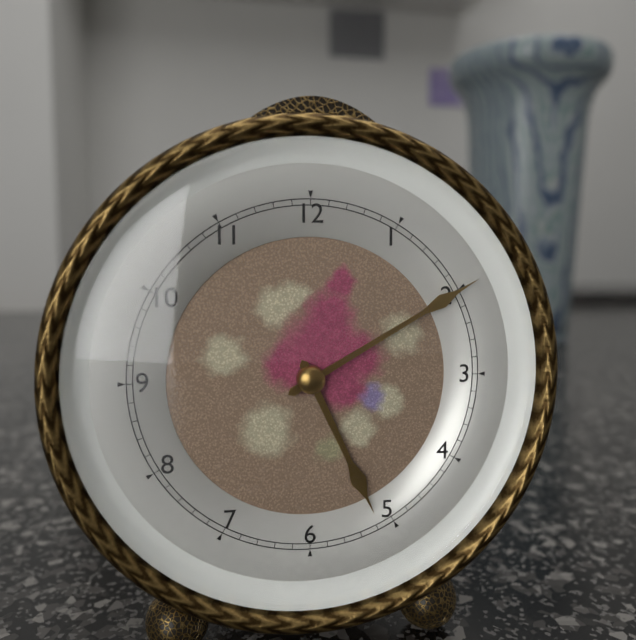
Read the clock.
5:10
